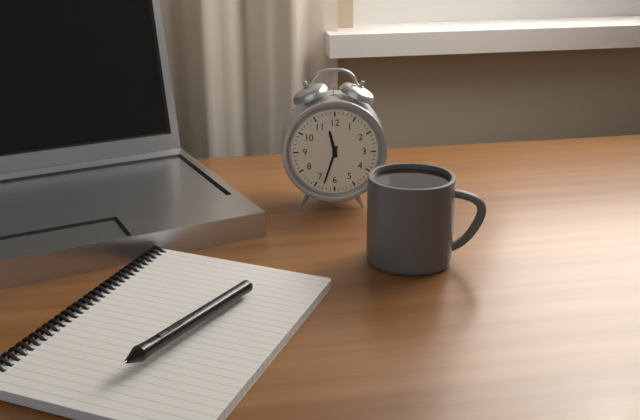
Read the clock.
11:33
